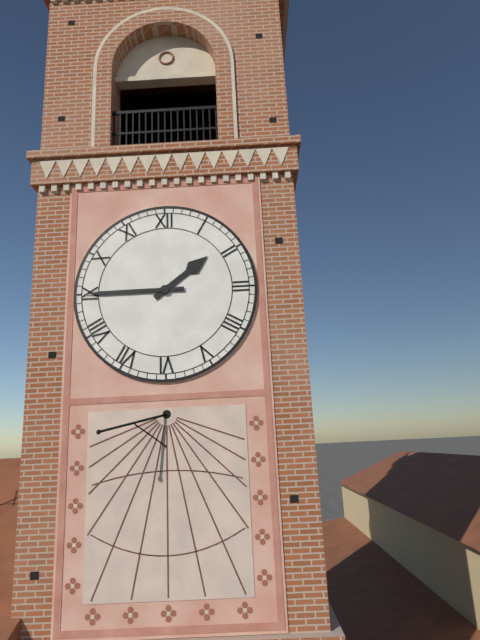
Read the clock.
1:45
